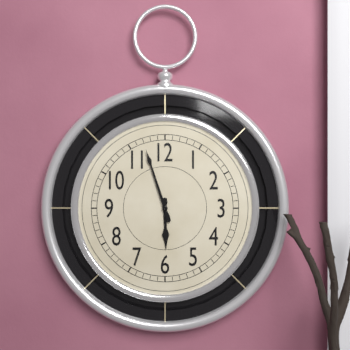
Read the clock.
5:57
